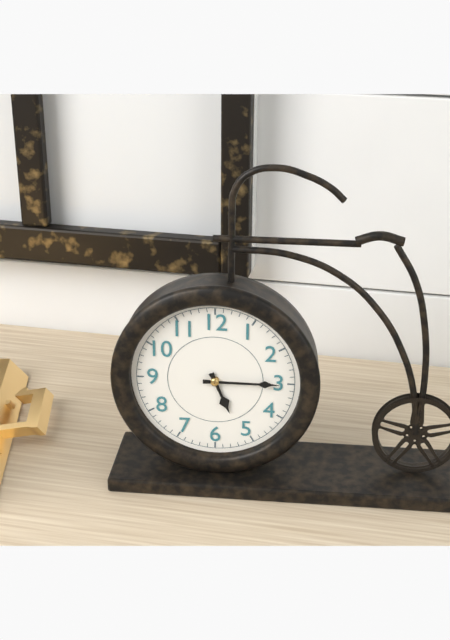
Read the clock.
5:15
